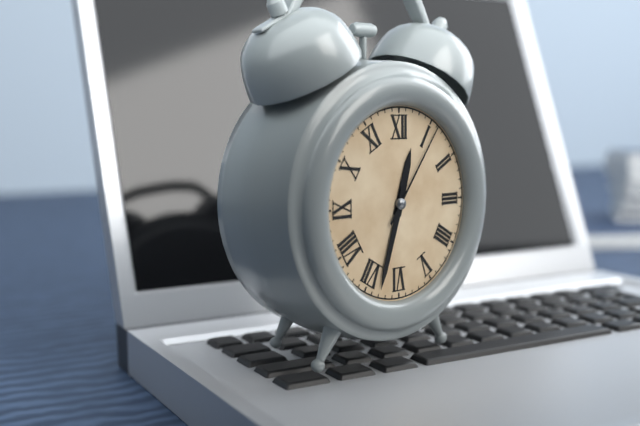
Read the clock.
12:33:06
